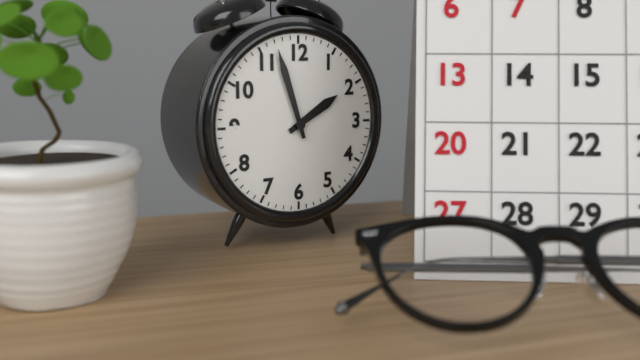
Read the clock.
1:57
